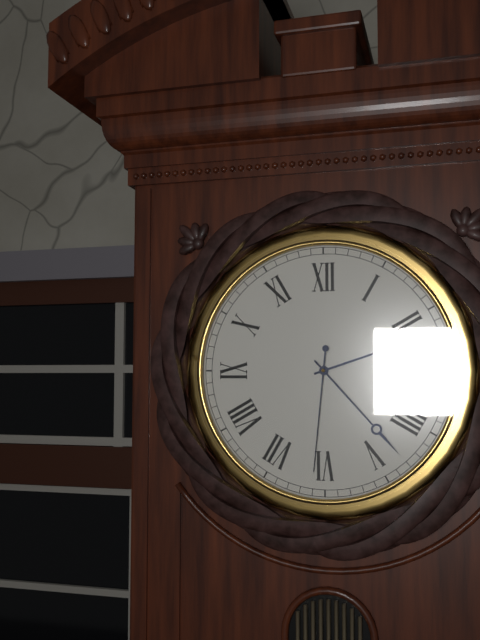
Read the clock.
2:23:31
